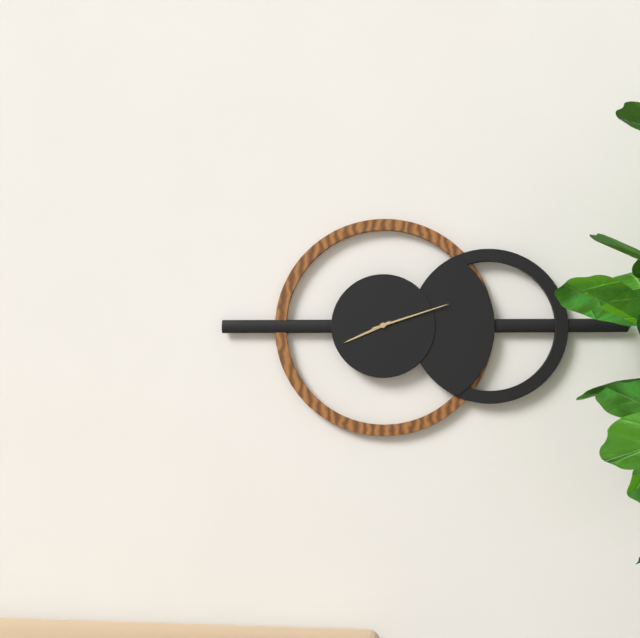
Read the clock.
8:12
